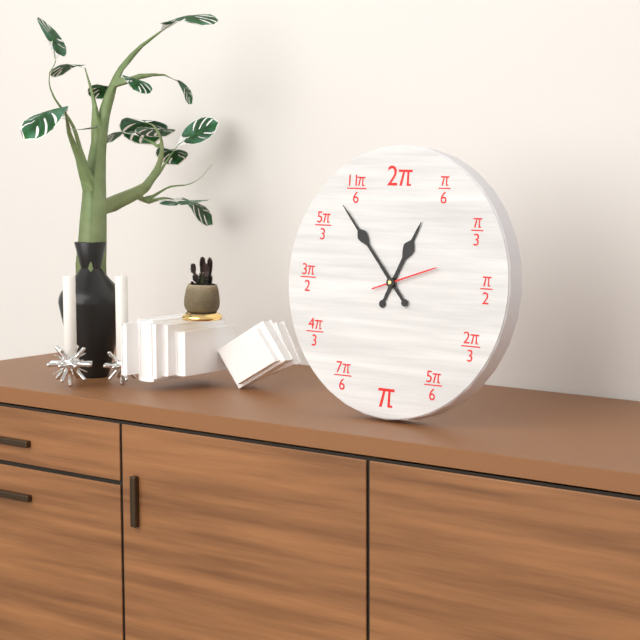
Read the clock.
12:53:12
